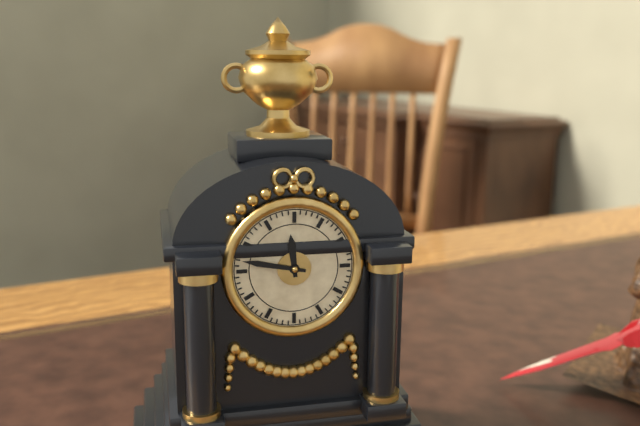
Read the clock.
11:47
